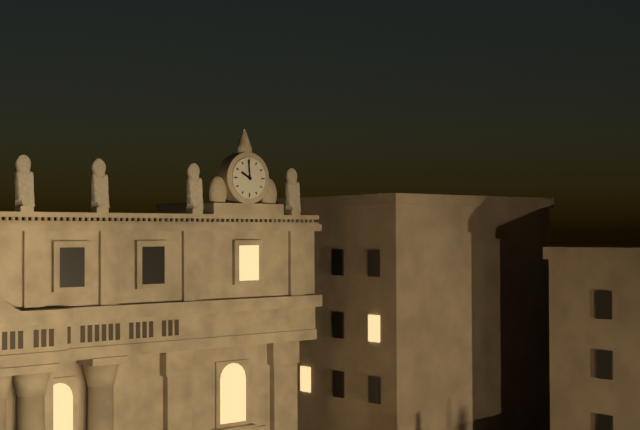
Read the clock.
9:59
